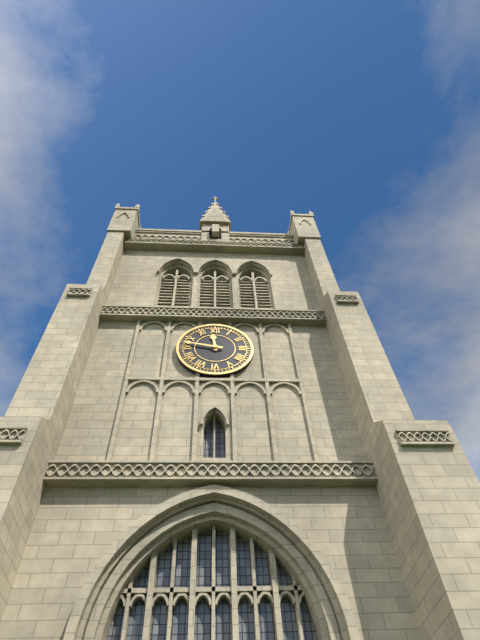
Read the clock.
11:47
